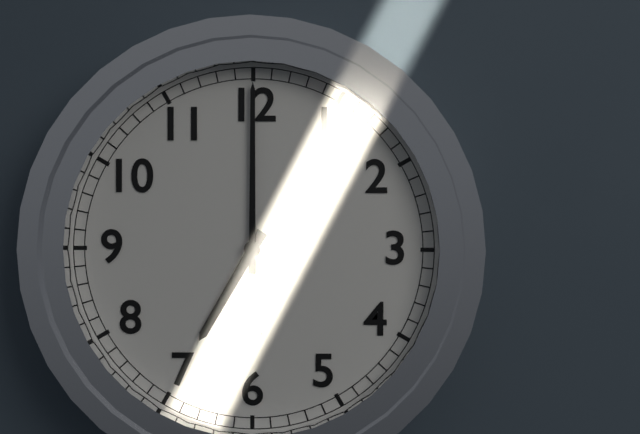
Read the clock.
7:00
